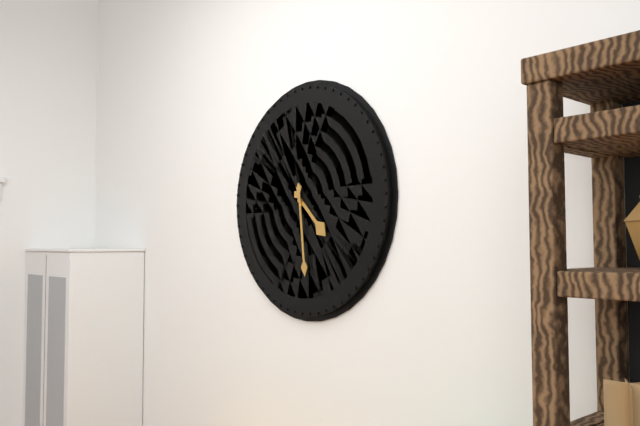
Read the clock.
4:29
